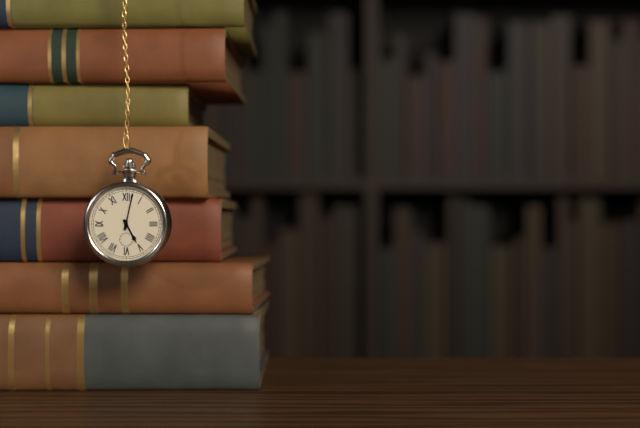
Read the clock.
5:02
